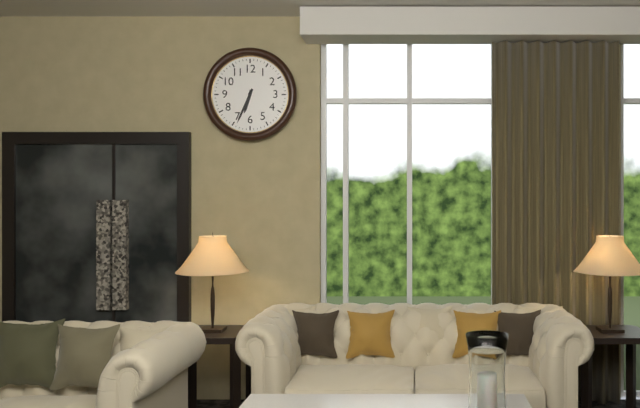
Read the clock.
6:34
